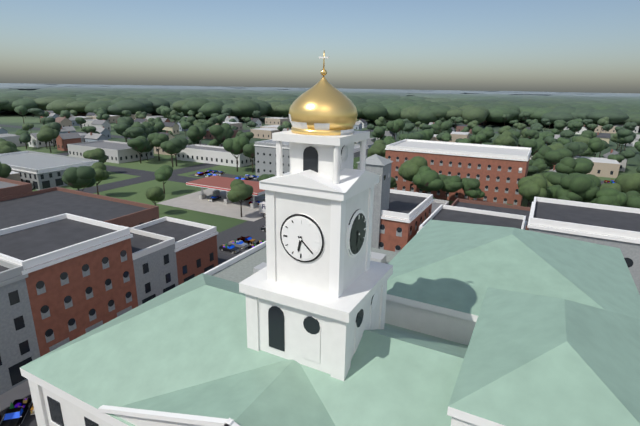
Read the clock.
6:22
